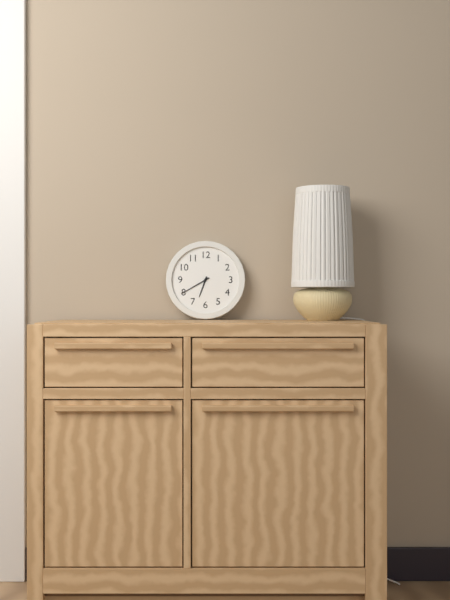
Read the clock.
6:40
